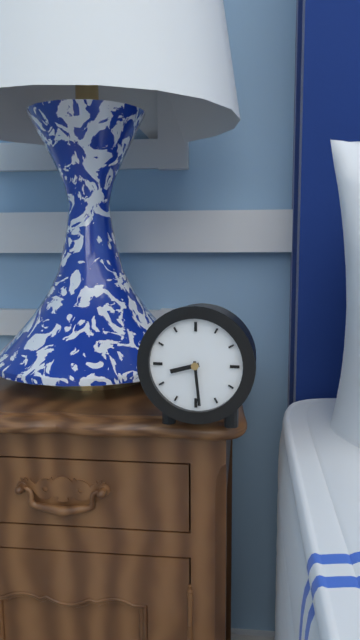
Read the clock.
8:29
